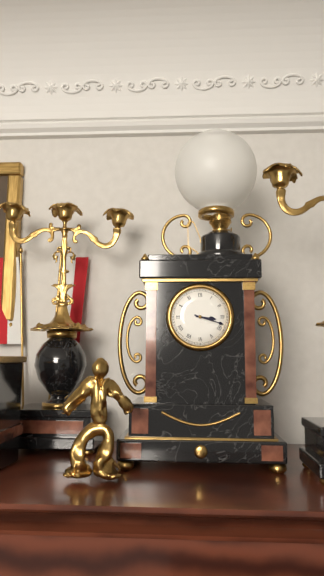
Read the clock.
3:18
